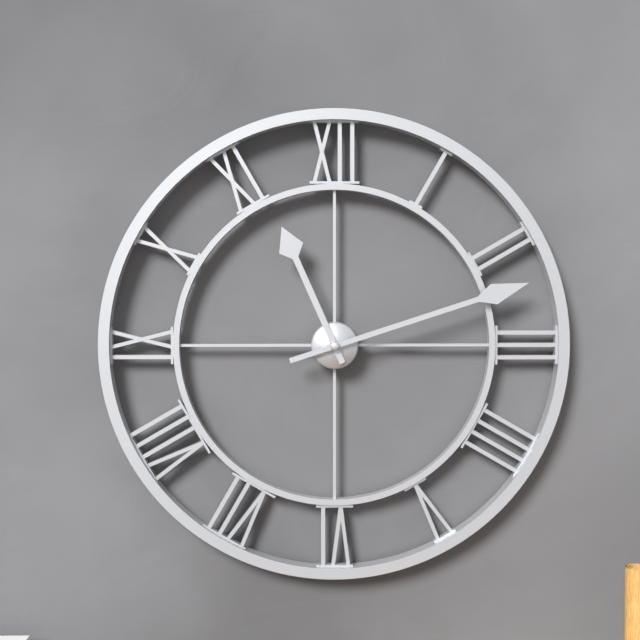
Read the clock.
11:12
